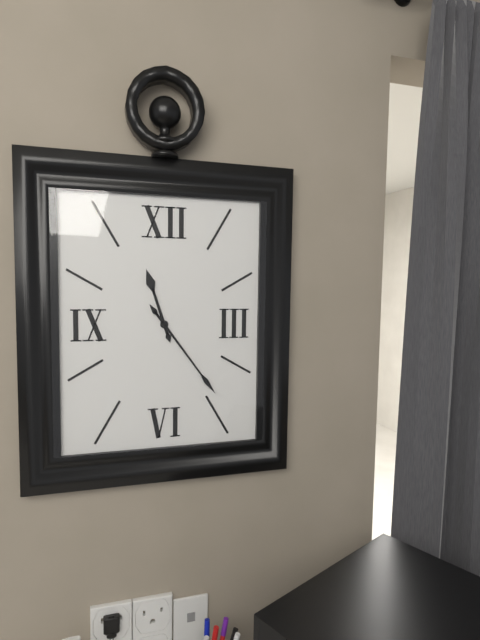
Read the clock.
11:24
